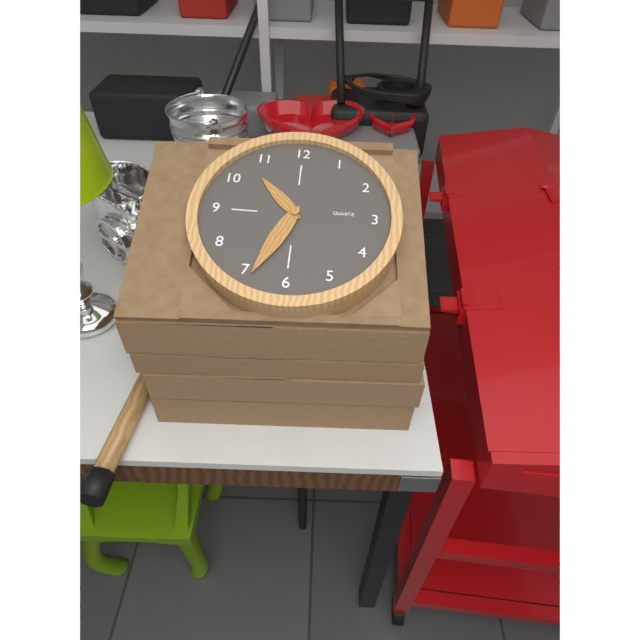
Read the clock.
10:34
